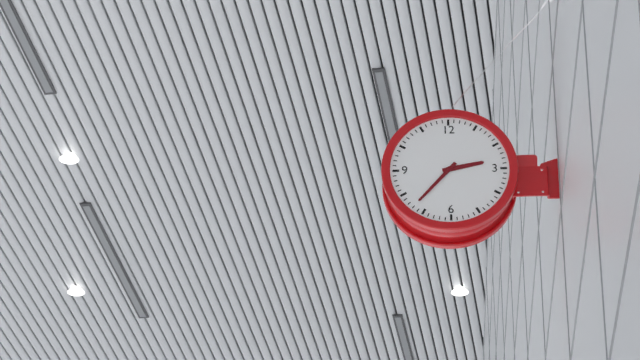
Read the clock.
2:37
